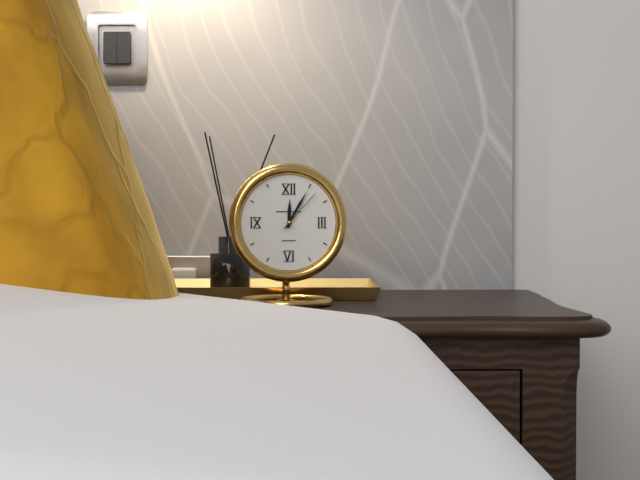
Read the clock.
12:05
